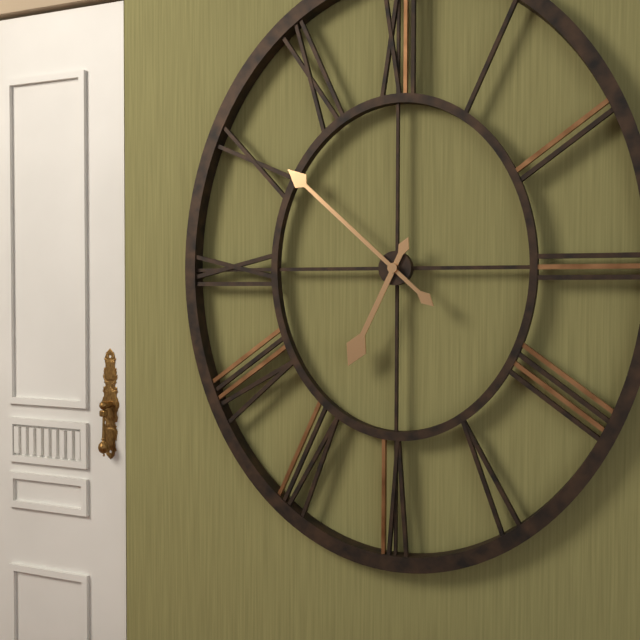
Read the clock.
6:52
